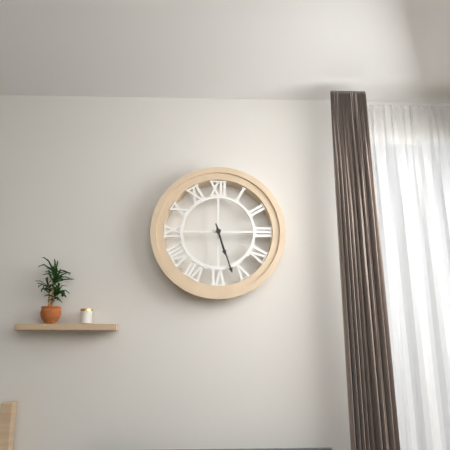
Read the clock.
5:27
